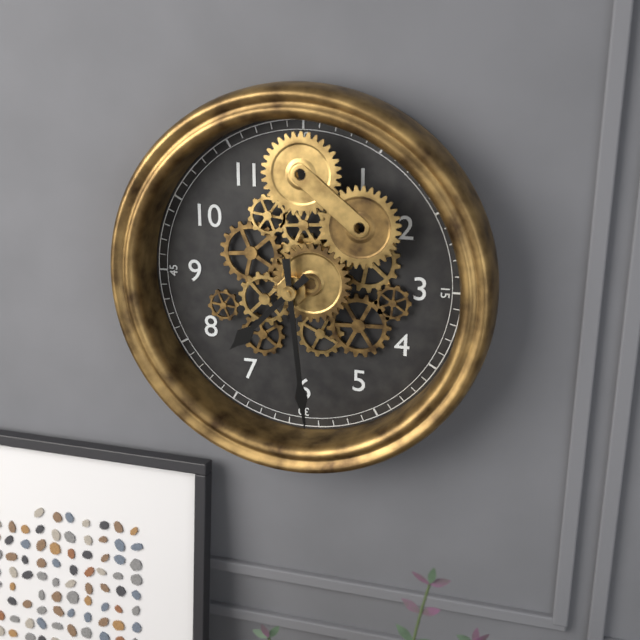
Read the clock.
7:29
